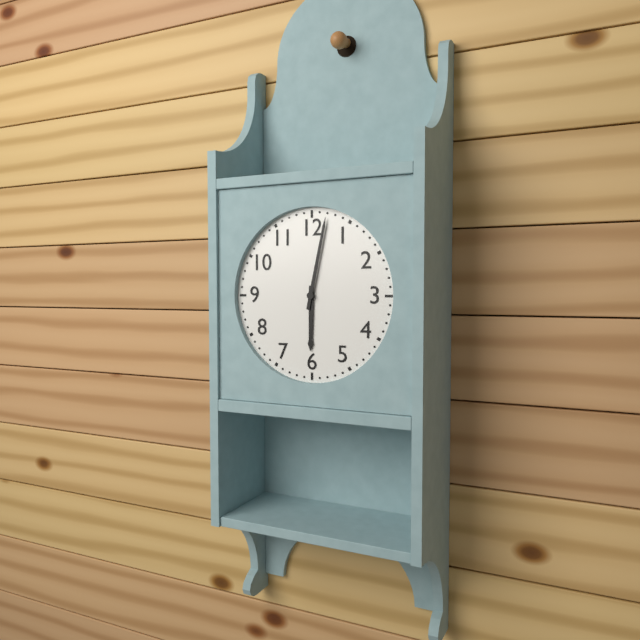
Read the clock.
6:02
